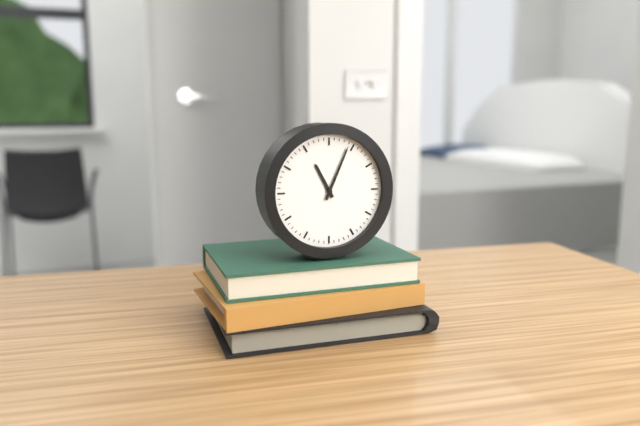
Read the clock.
11:04
